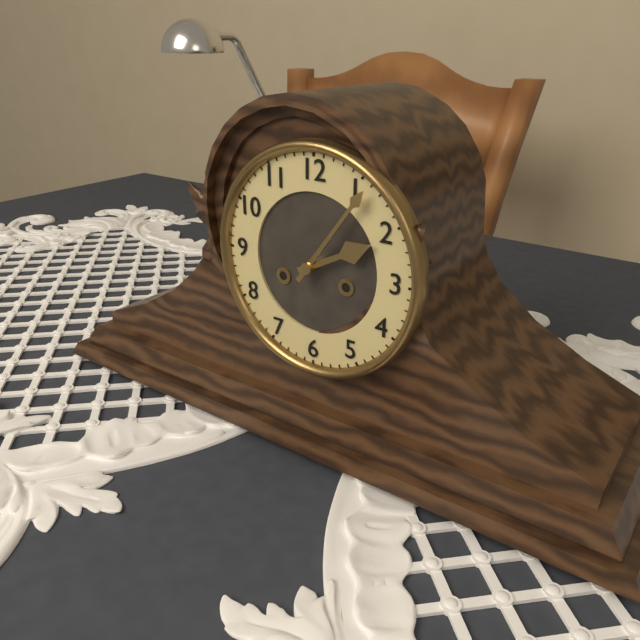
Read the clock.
2:06
